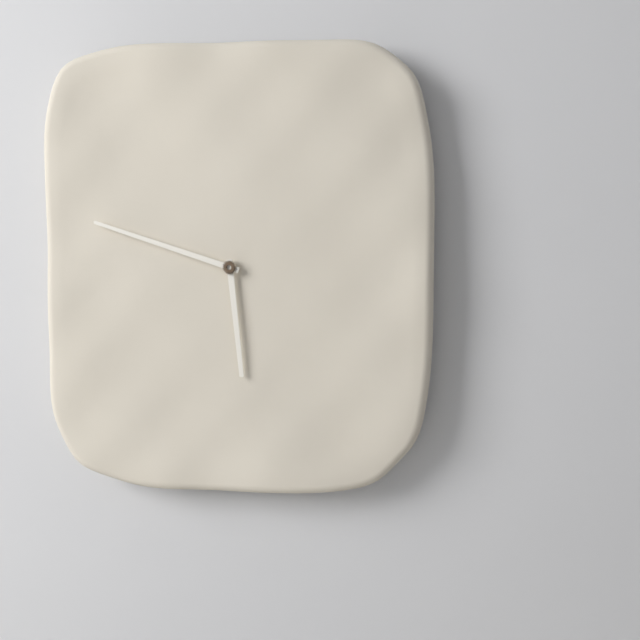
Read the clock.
5:48
